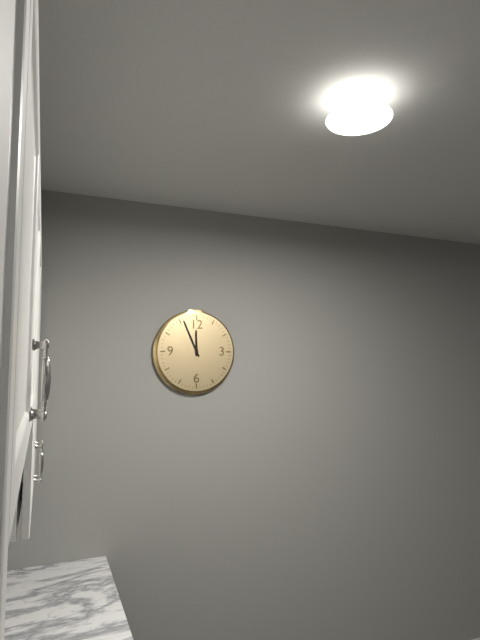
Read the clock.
11:56
